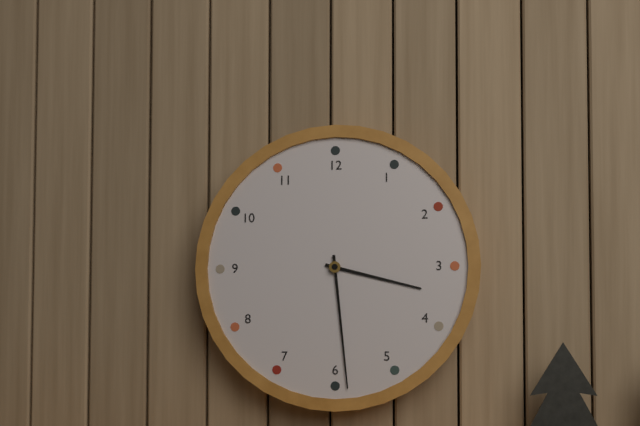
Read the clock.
3:29
